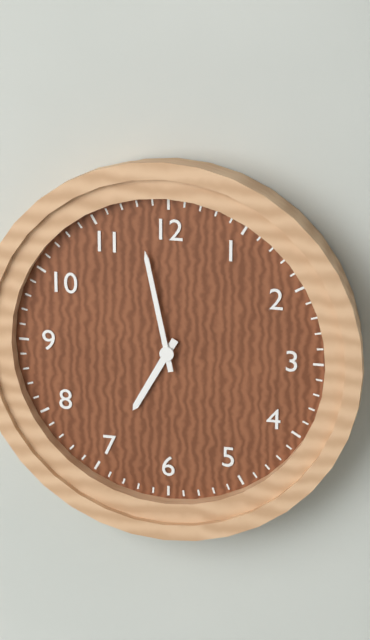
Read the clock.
6:58
